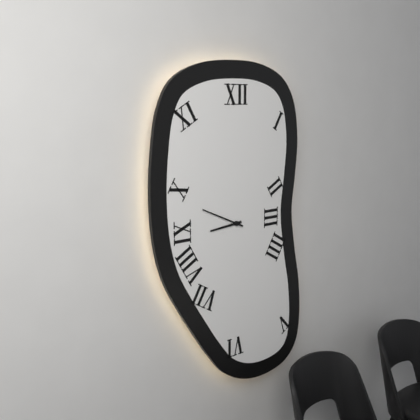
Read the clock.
8:49
